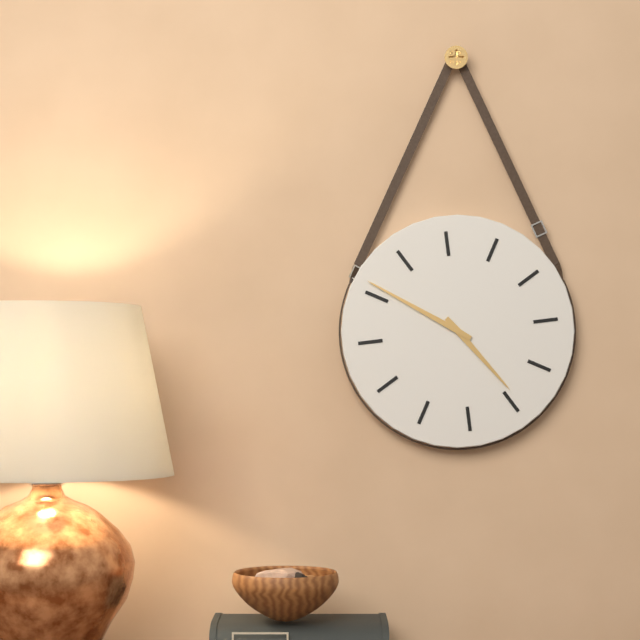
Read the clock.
4:51
